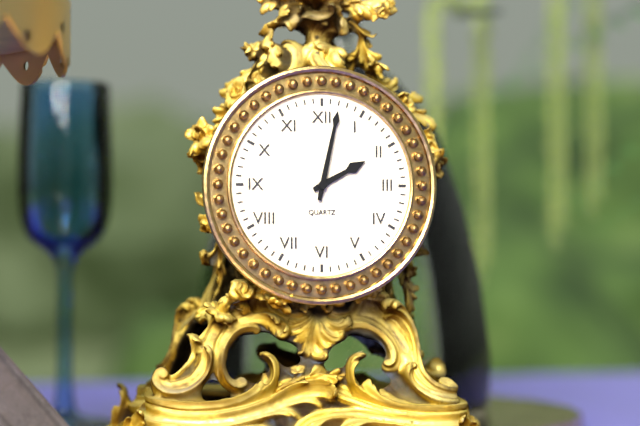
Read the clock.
2:02
